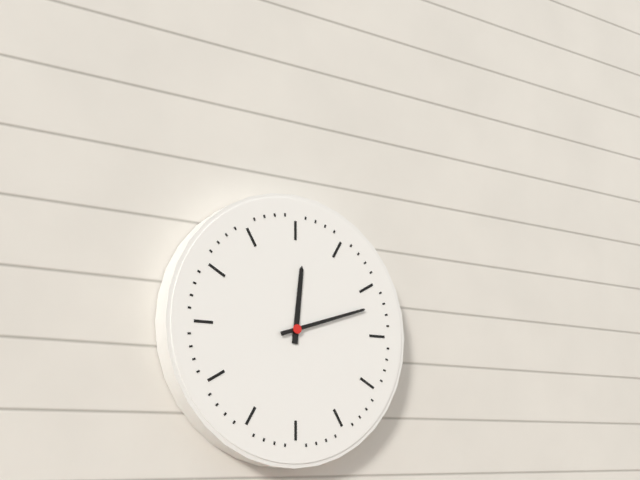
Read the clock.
12:12
